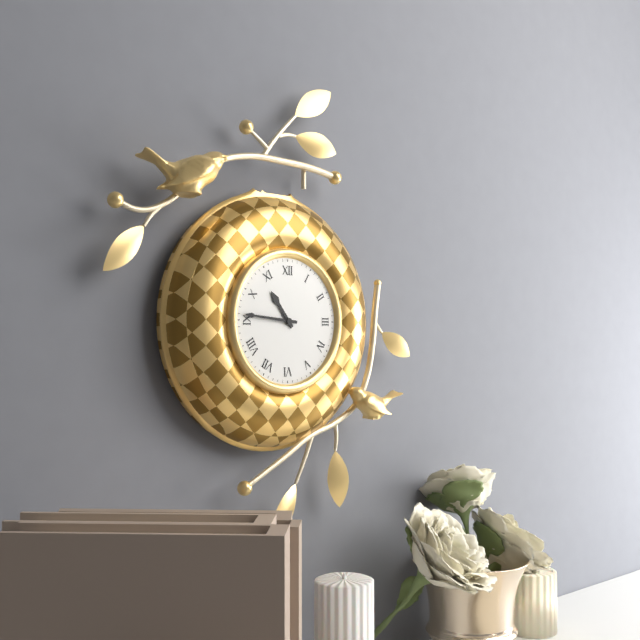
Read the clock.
10:46
